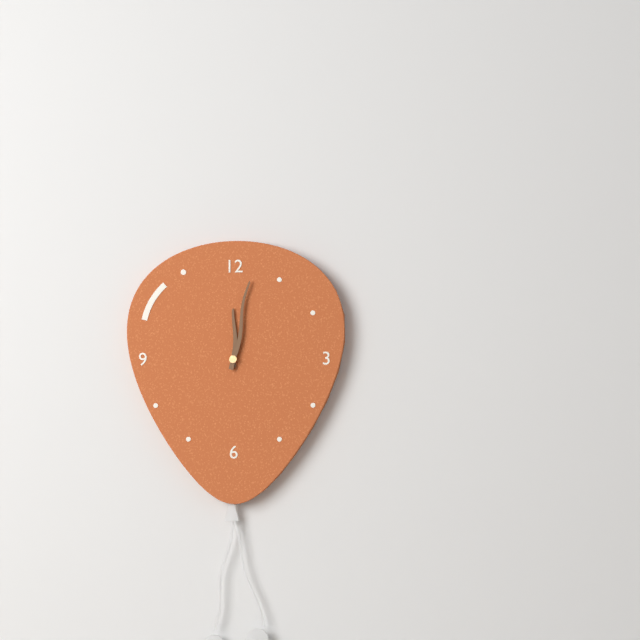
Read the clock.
12:02
